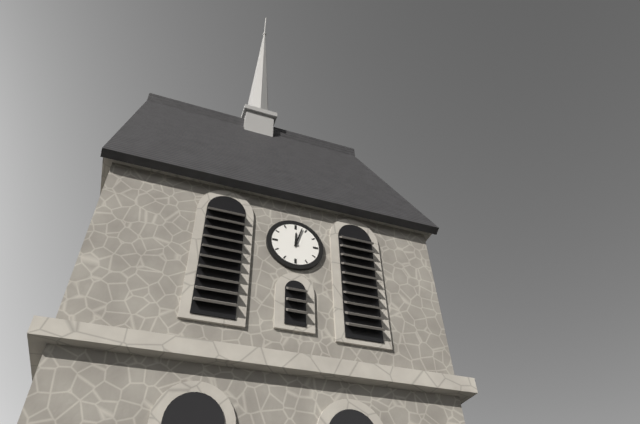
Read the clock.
12:03
